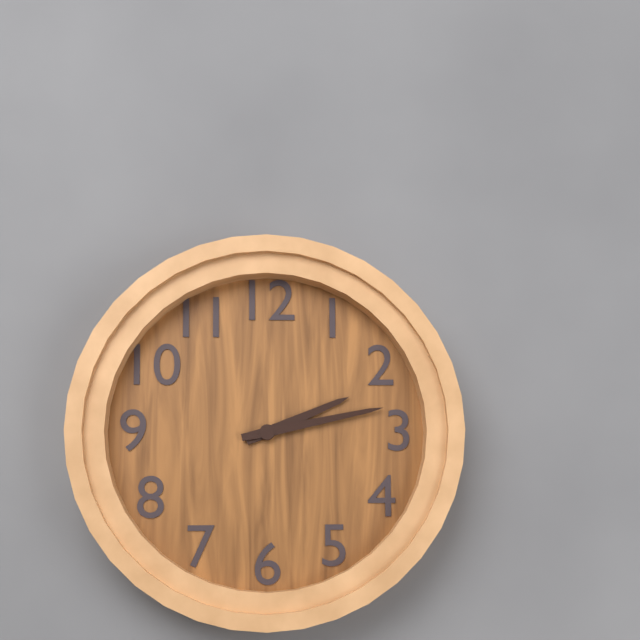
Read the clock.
2:13
